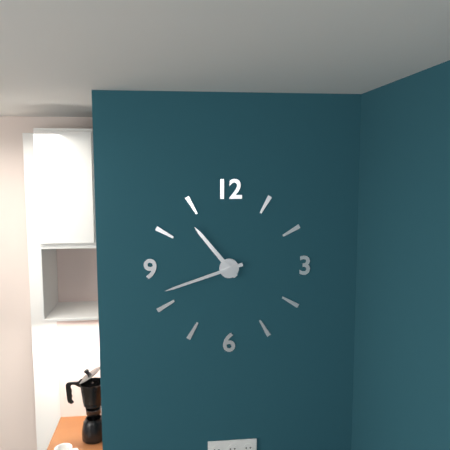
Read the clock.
10:42
